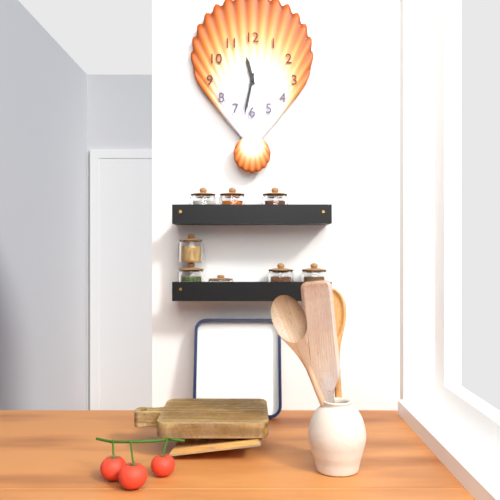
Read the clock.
11:32
